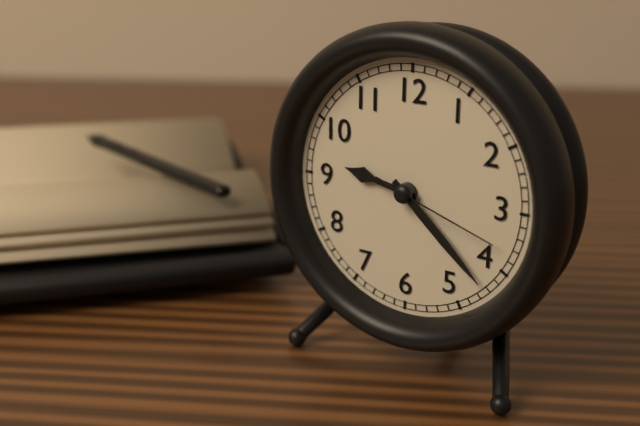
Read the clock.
9:22:18
